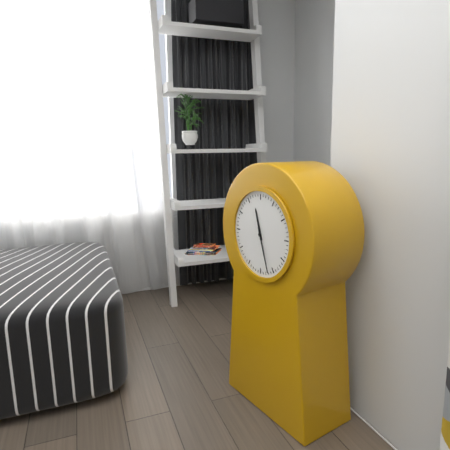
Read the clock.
11:27
